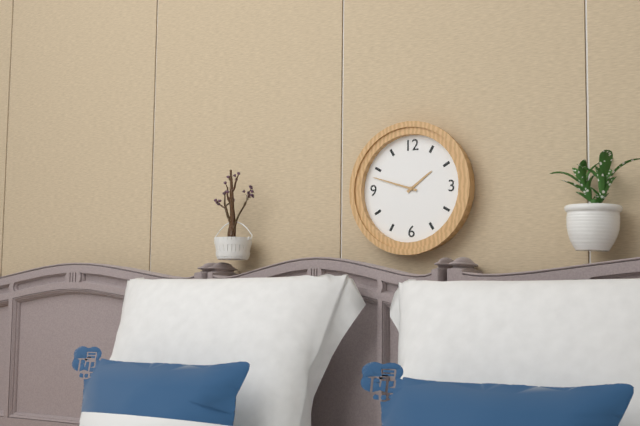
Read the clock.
1:48
